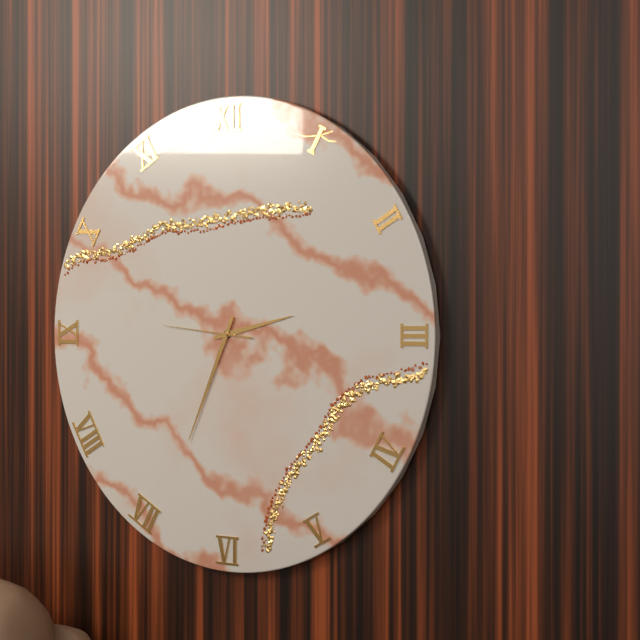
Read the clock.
2:34:46
